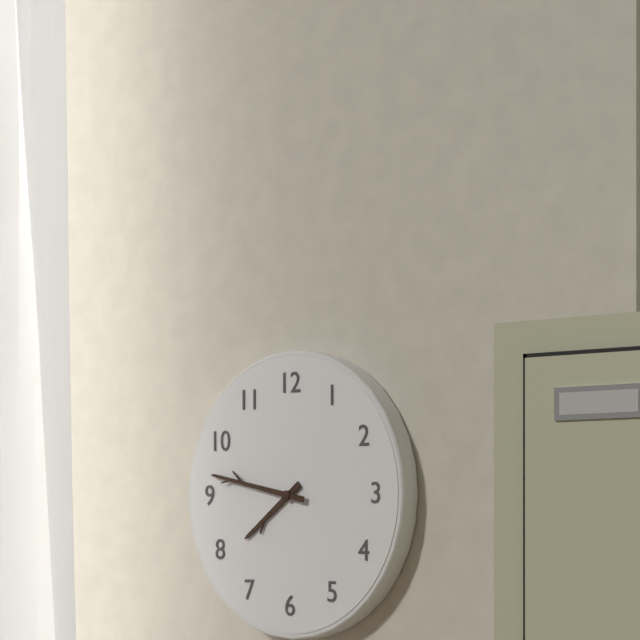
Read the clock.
7:47
